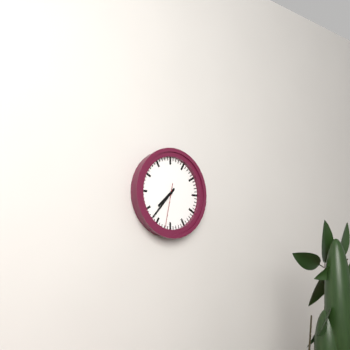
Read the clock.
7:37
